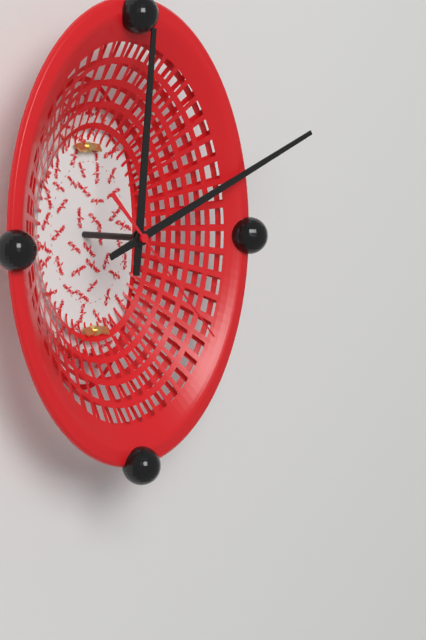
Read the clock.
12:11:23
